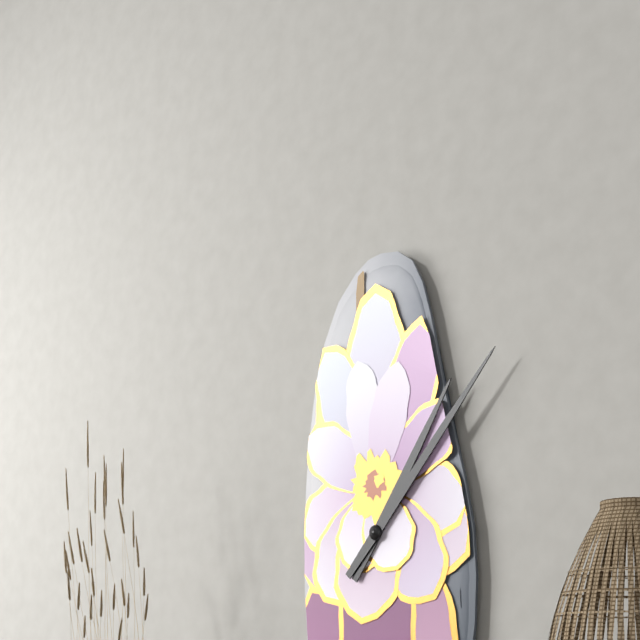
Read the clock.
1:07
